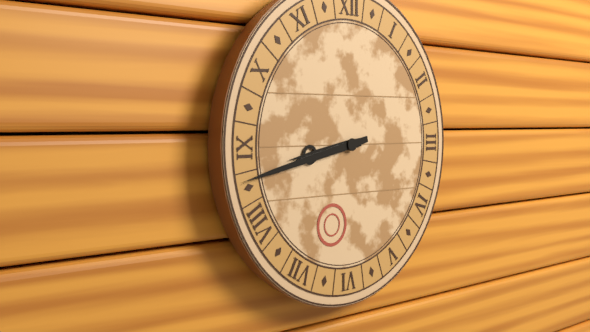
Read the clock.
8:43
